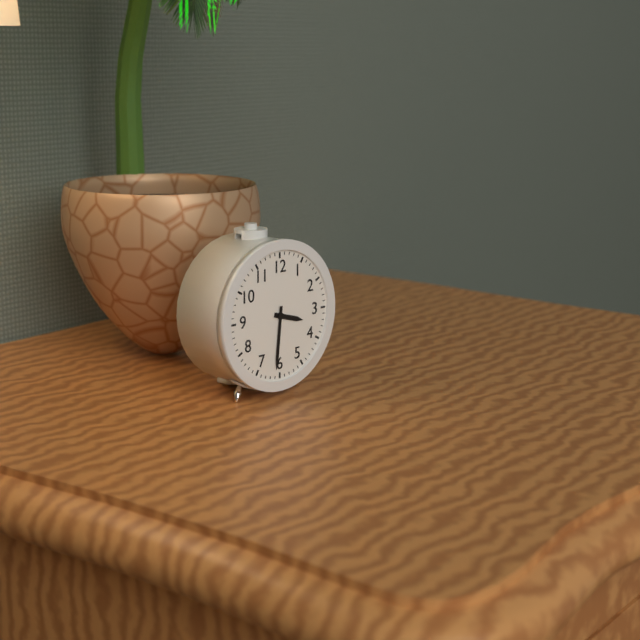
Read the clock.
3:31
